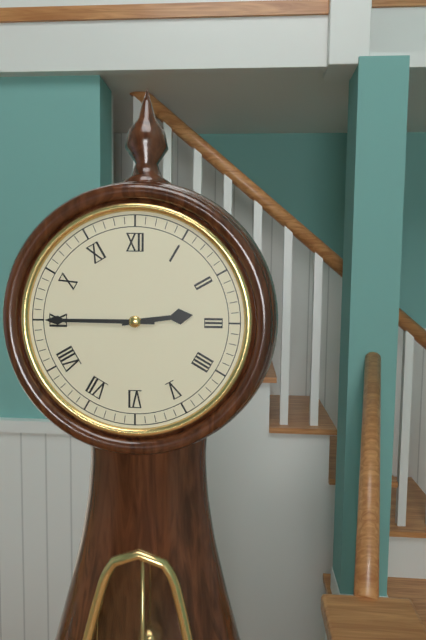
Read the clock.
2:45
